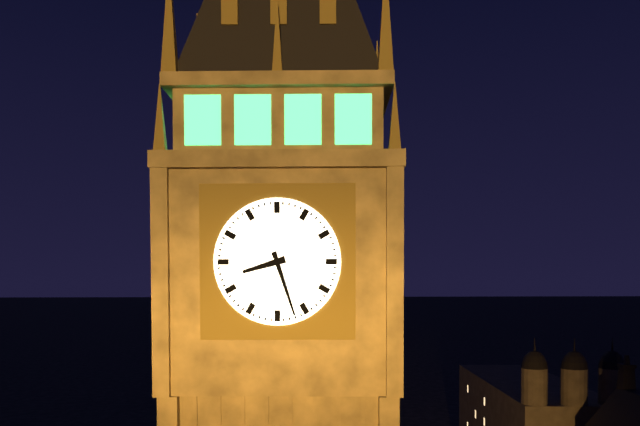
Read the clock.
8:27
